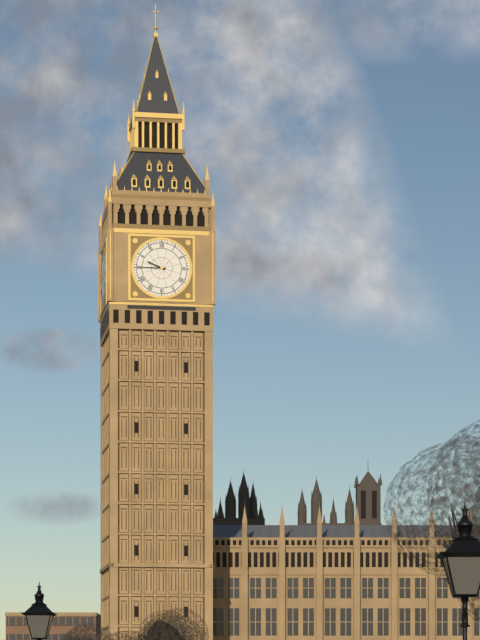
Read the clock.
9:45
